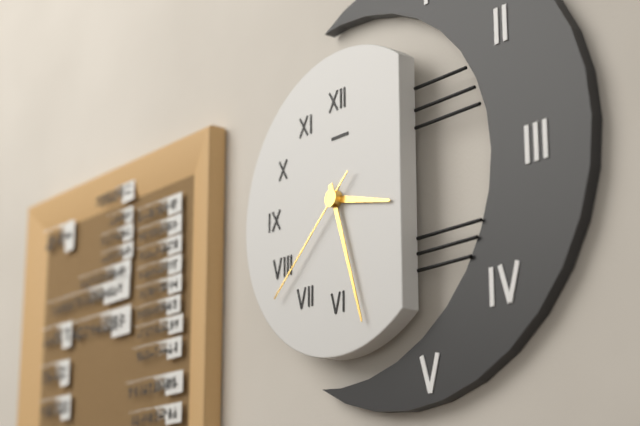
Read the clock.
3:27:38
